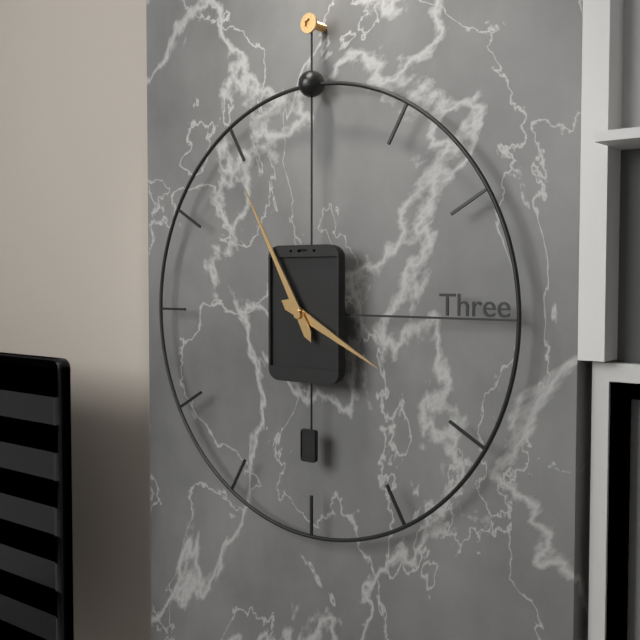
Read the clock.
3:55
